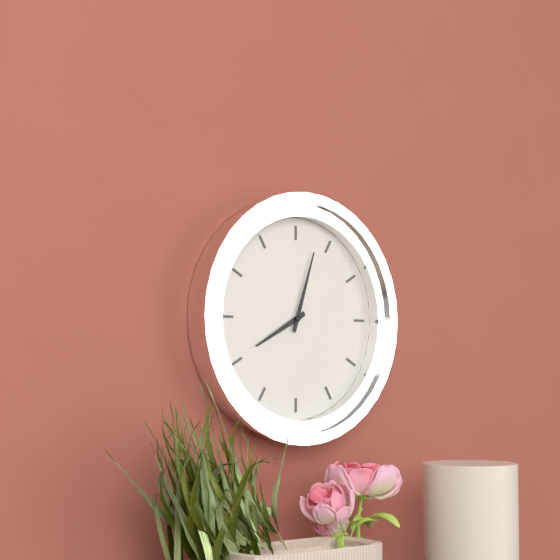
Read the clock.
8:03
